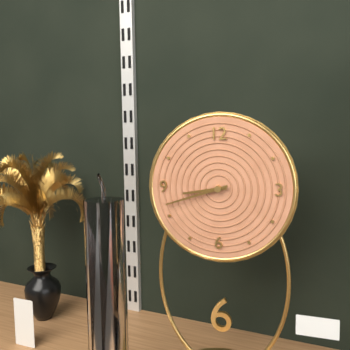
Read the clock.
8:42
